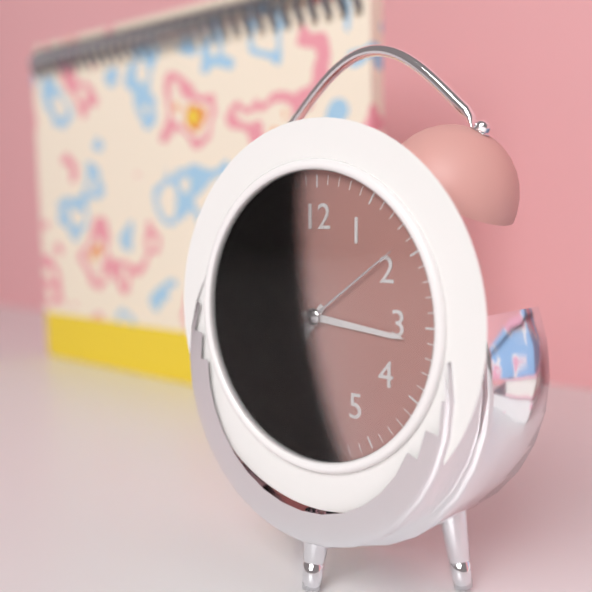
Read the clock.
7:16:09
